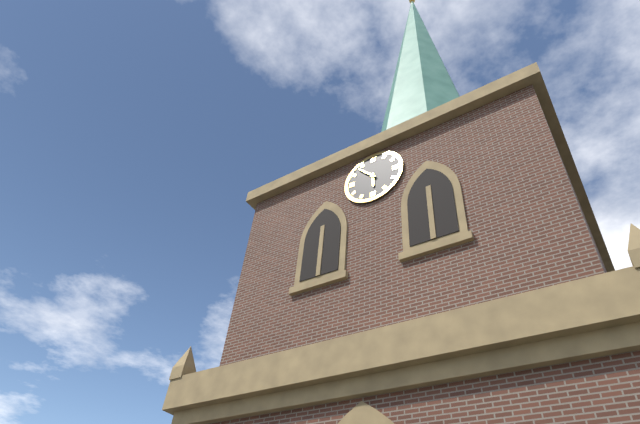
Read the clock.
5:53
